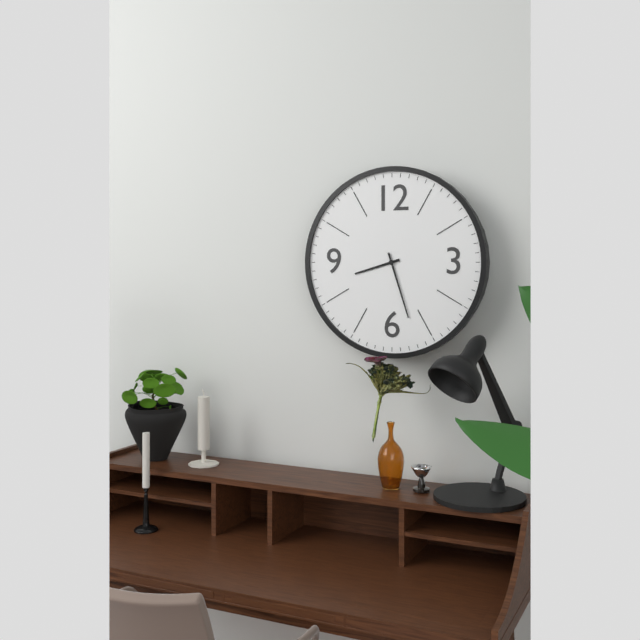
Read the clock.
8:27
